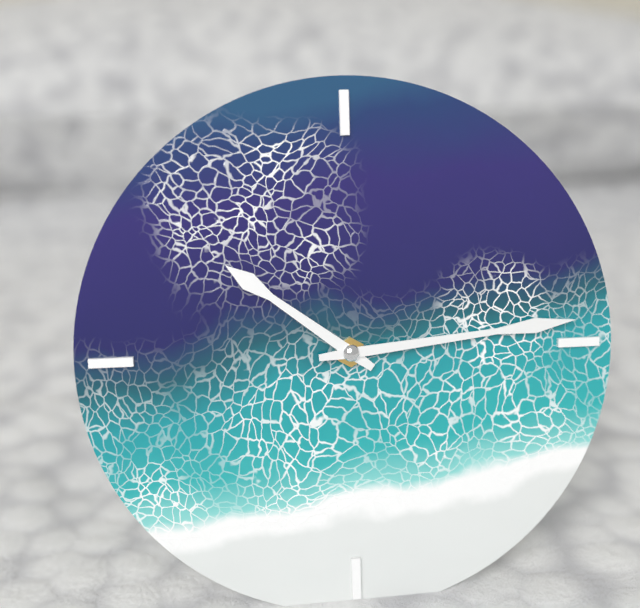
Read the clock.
10:14
